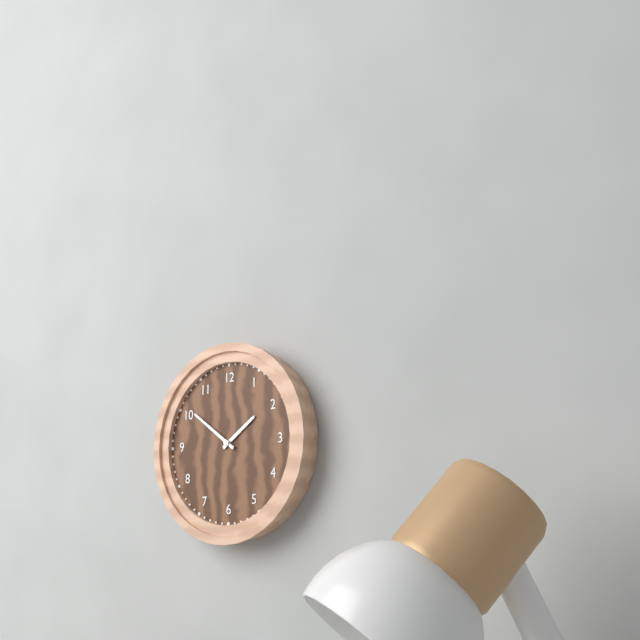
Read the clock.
1:51
